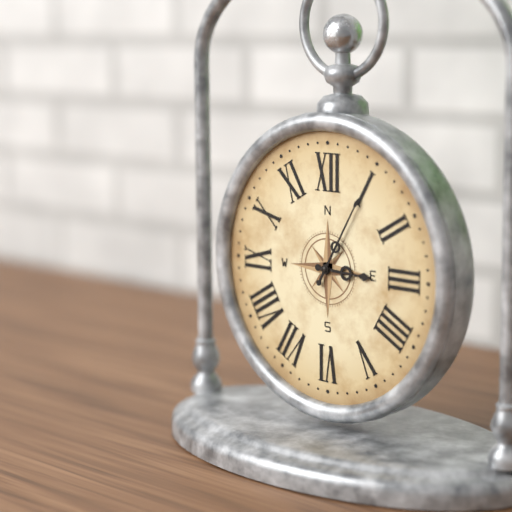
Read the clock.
3:05
